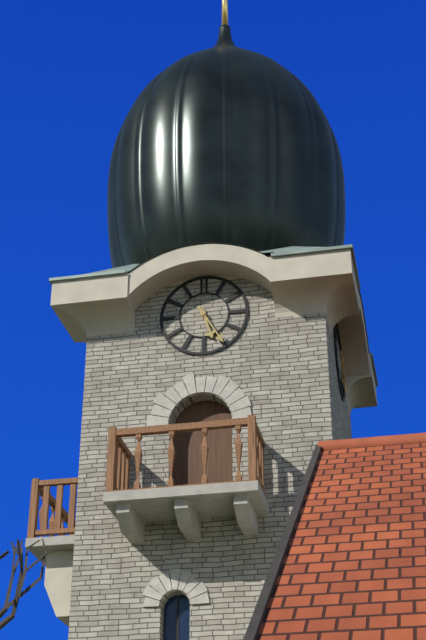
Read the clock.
5:25
